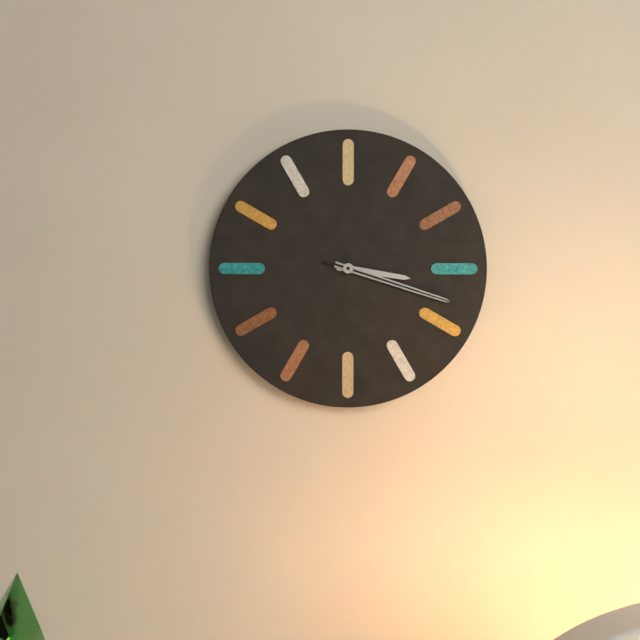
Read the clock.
3:18:18
